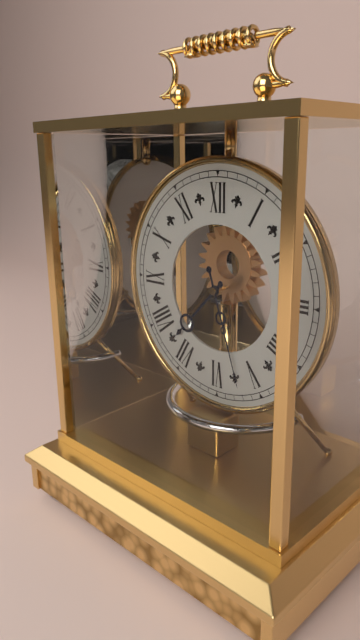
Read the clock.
7:27
